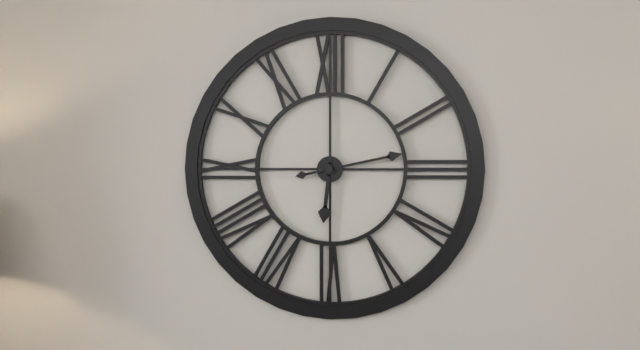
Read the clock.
6:13
